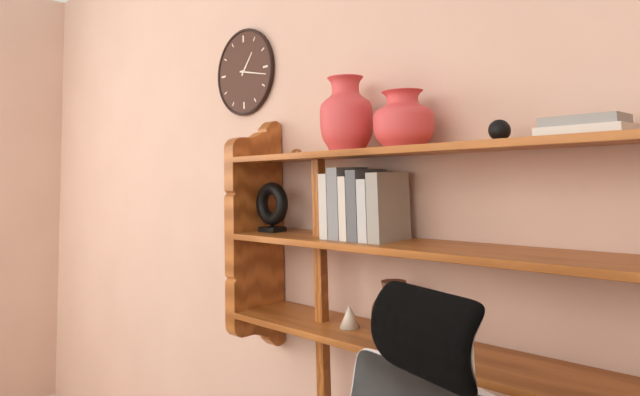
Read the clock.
1:17
